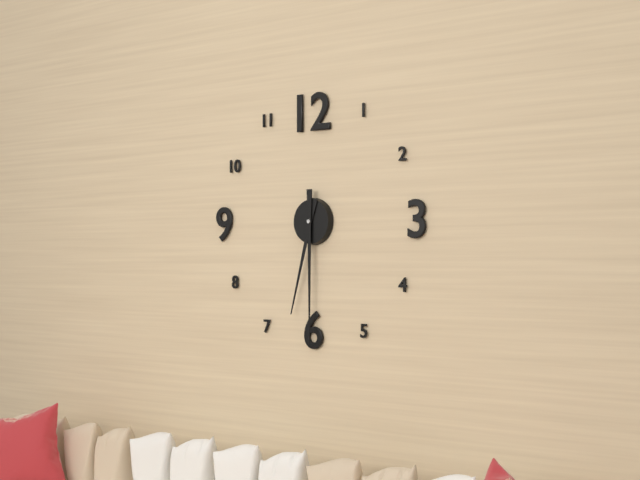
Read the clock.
6:30
